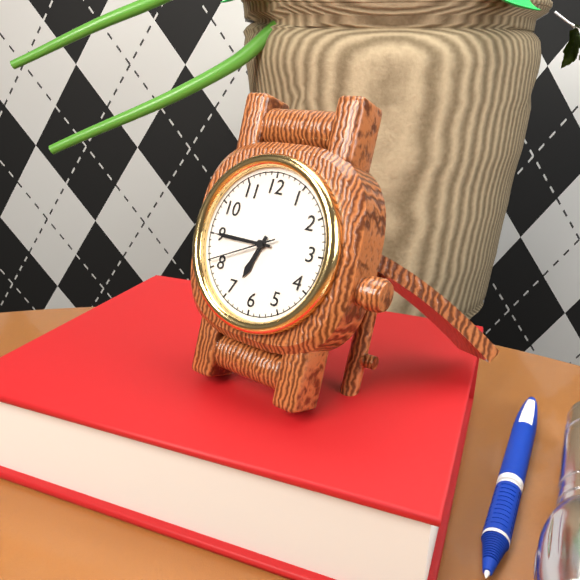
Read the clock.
6:45:41
